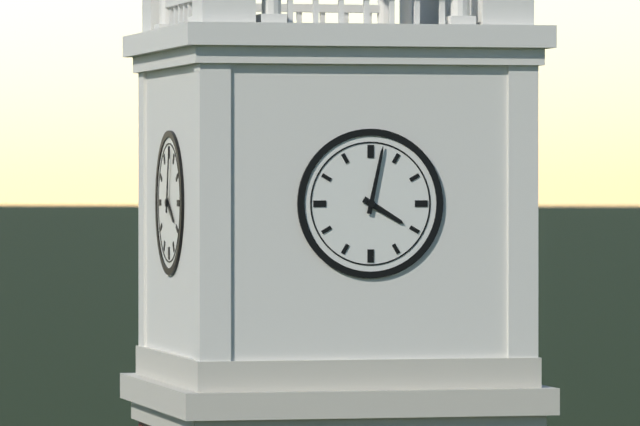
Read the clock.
4:02
